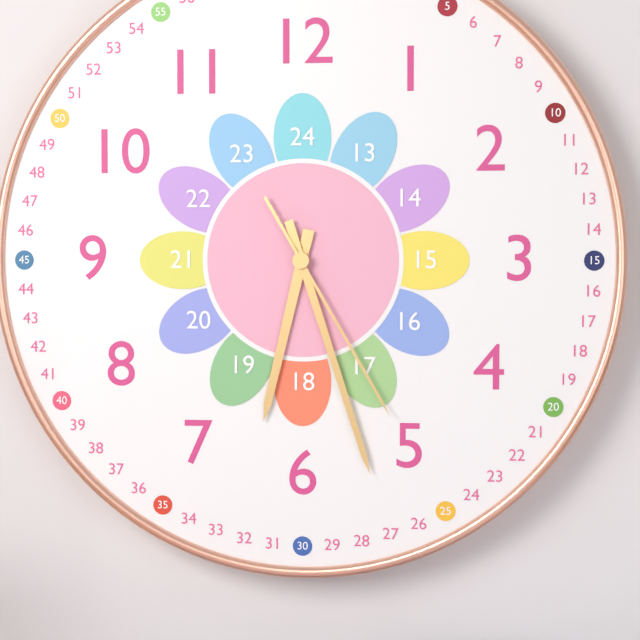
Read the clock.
6:27:25
